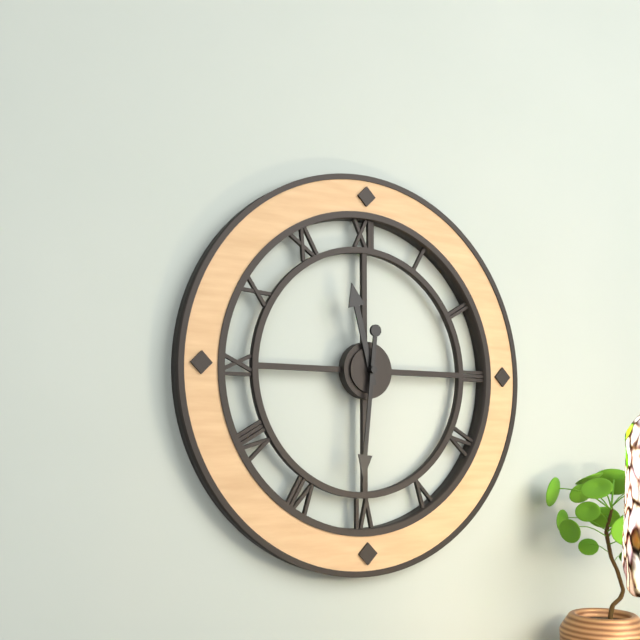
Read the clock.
11:31
